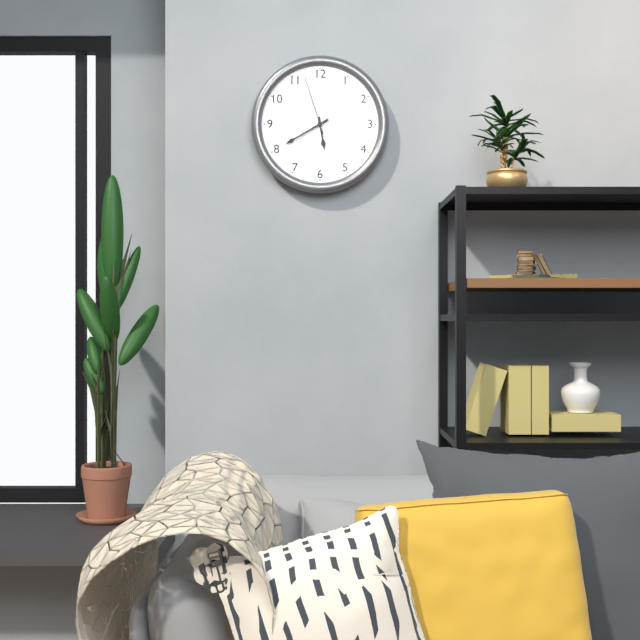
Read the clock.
5:40:57
